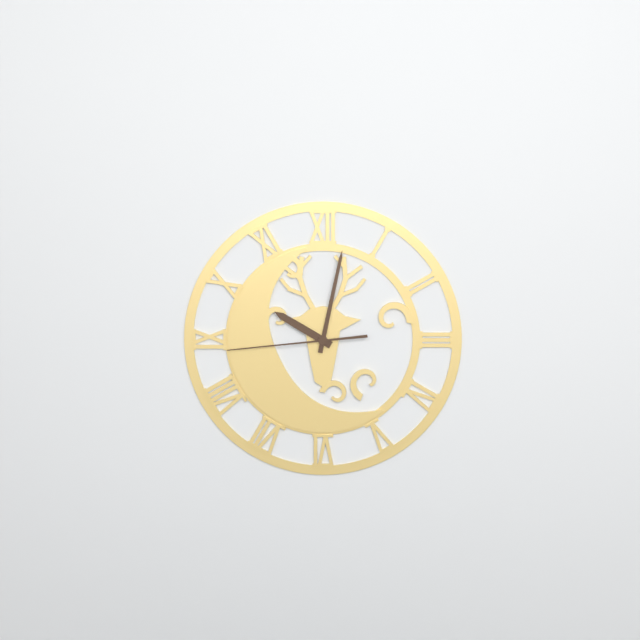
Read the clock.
10:02:44
